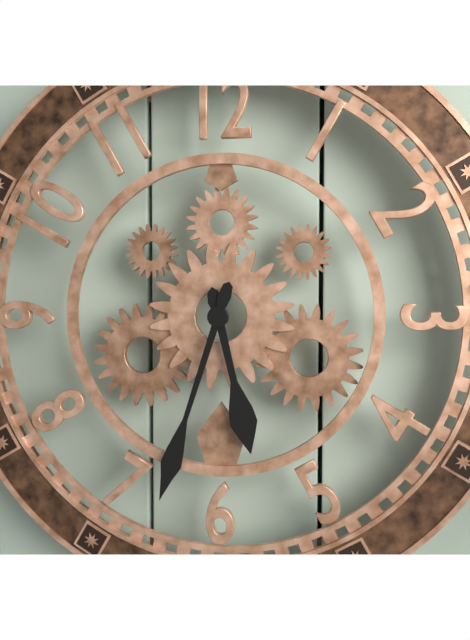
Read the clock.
5:33
